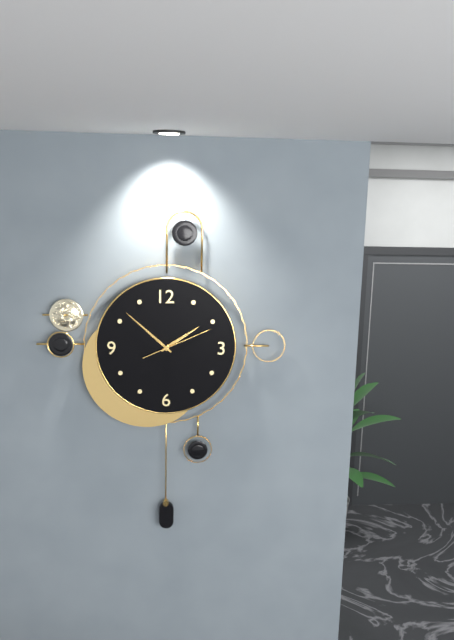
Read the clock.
1:52:11
